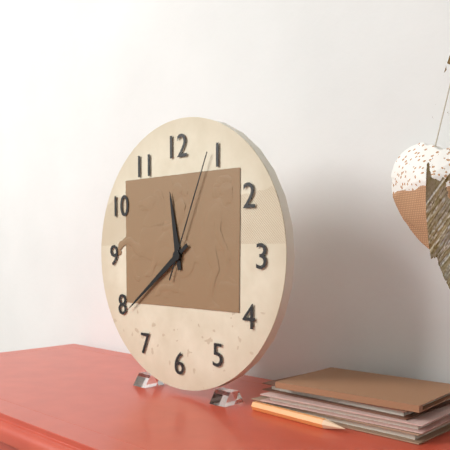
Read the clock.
11:39:04
